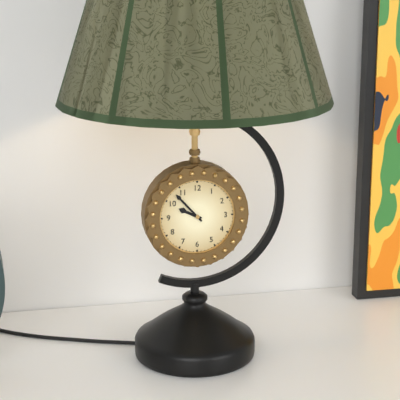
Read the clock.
9:53
